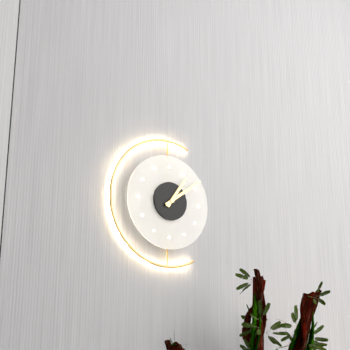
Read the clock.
1:09
